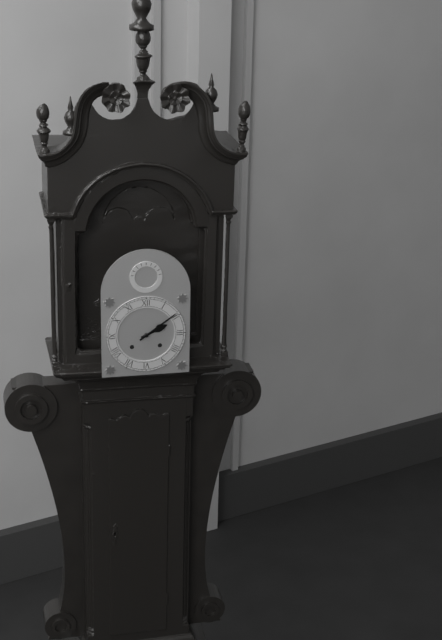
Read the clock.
2:09
